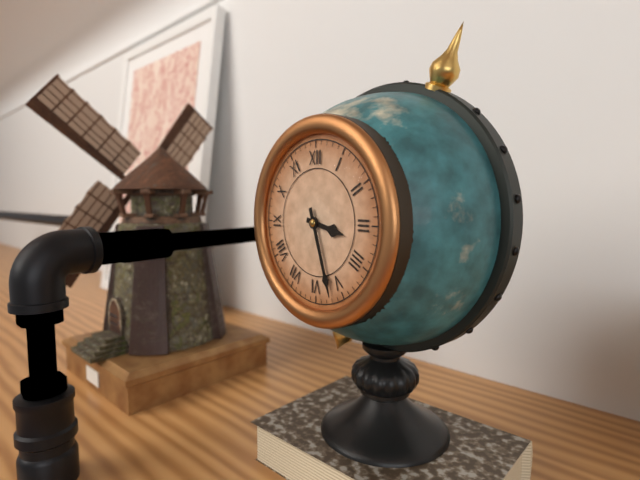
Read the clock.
3:27
